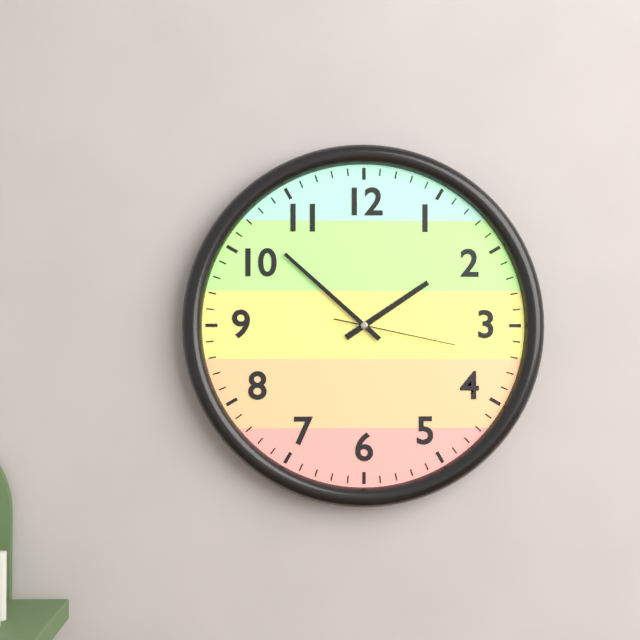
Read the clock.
1:52:17
